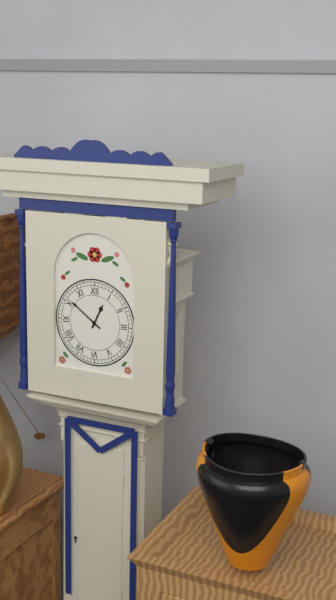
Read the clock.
12:51
